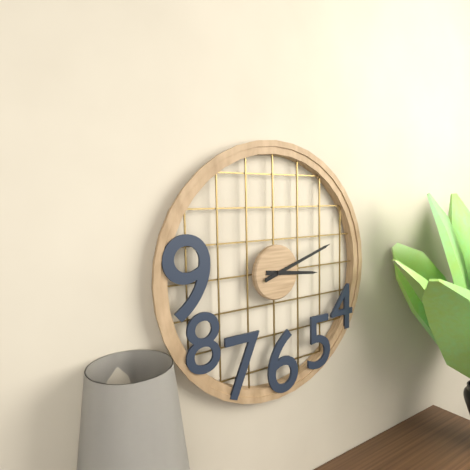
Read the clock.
3:12
